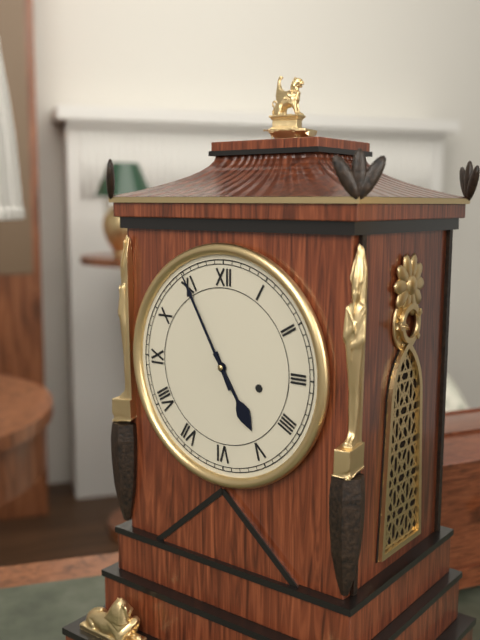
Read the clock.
4:55
